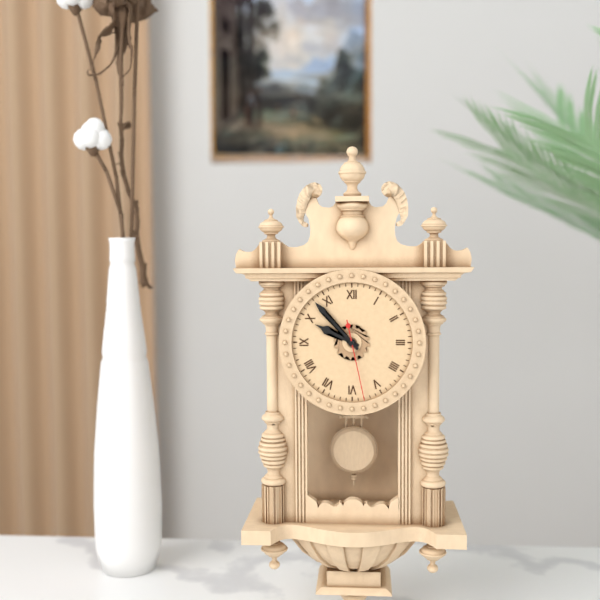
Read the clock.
9:53:28
